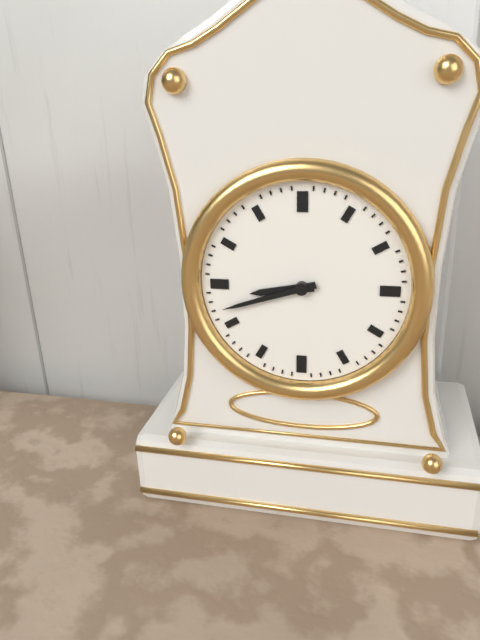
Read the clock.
8:42
